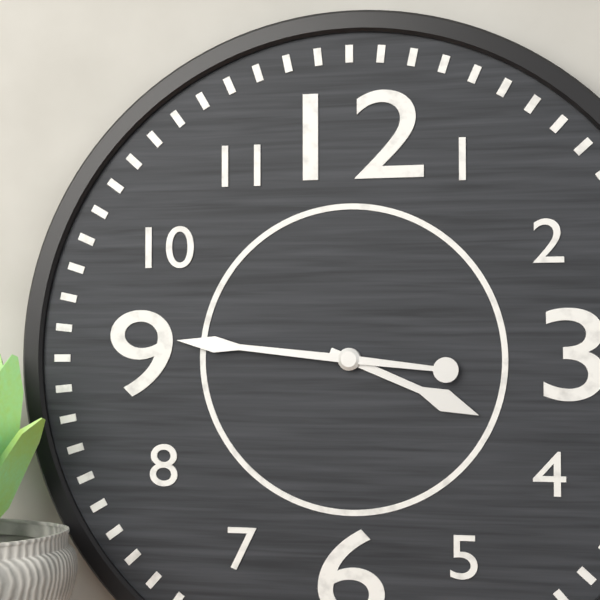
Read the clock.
3:46
